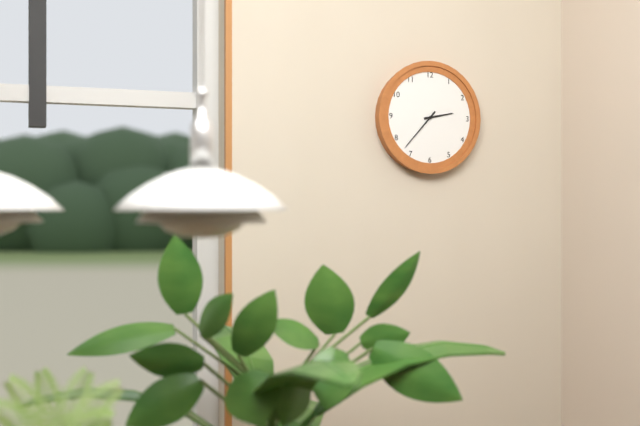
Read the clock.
2:37
